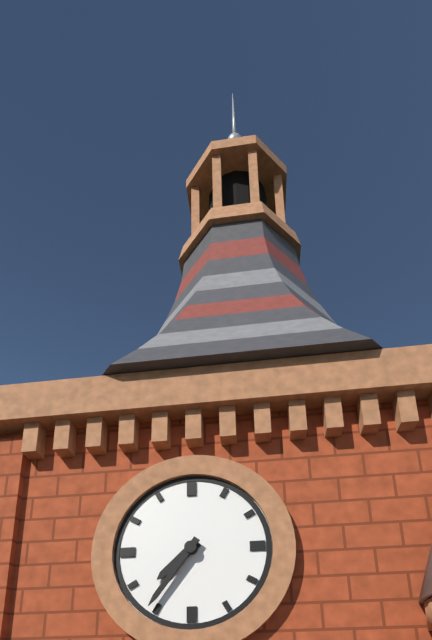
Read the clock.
7:36
